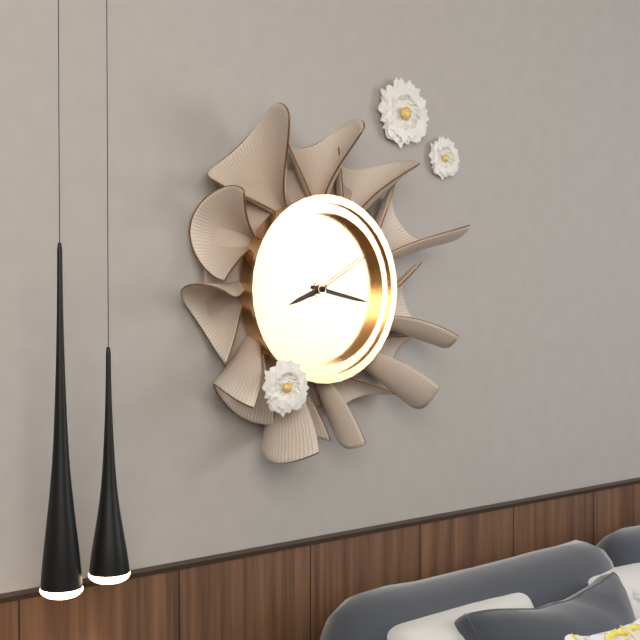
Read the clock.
8:17:10
